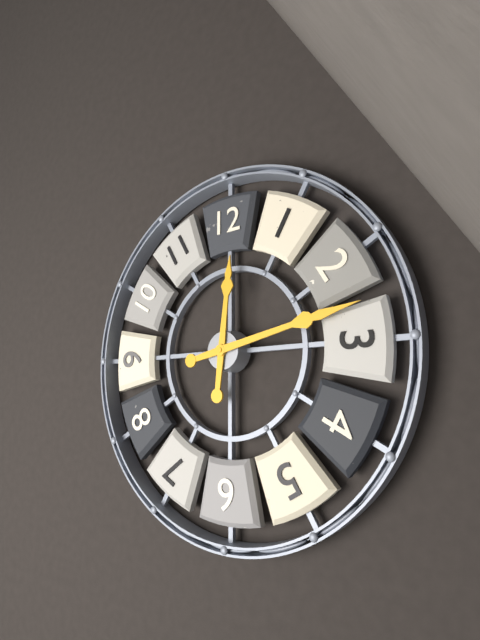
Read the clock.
12:13
